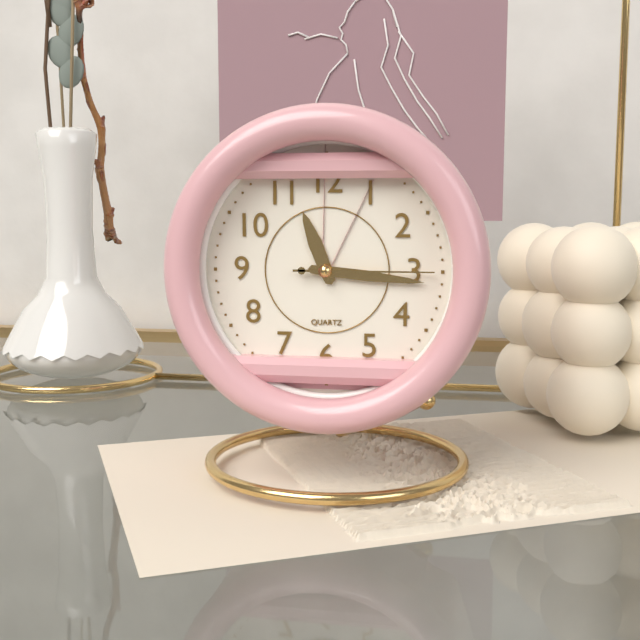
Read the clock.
11:16:15
